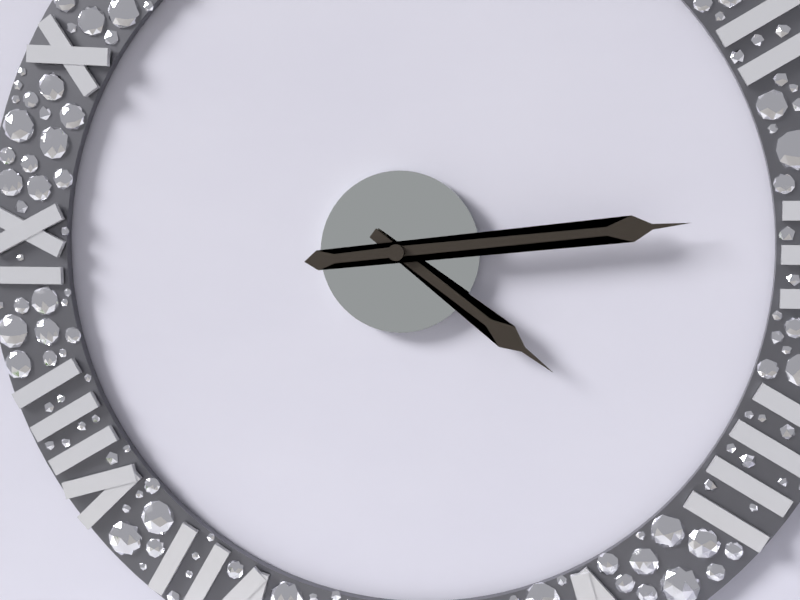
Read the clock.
4:14
